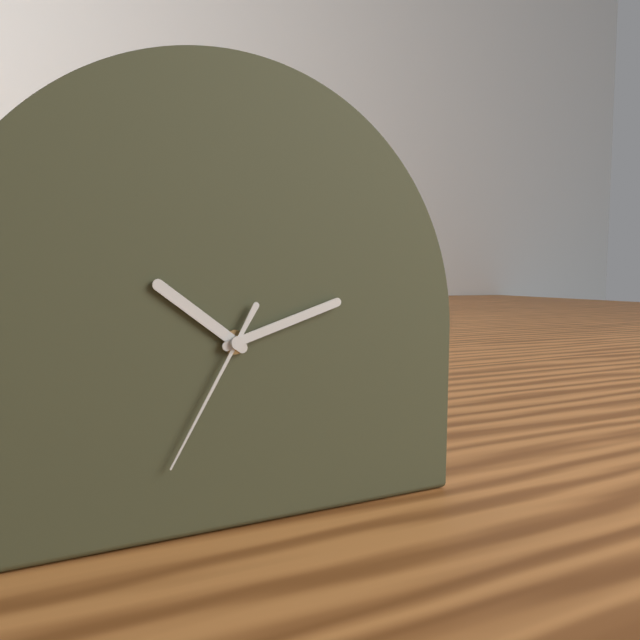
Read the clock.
10:12:35
